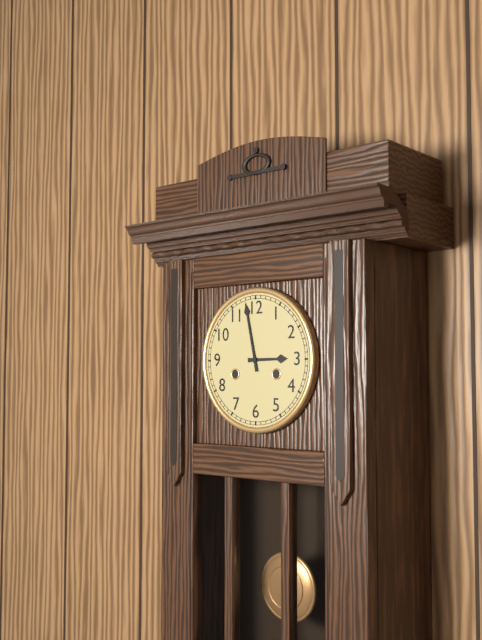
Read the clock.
2:58
